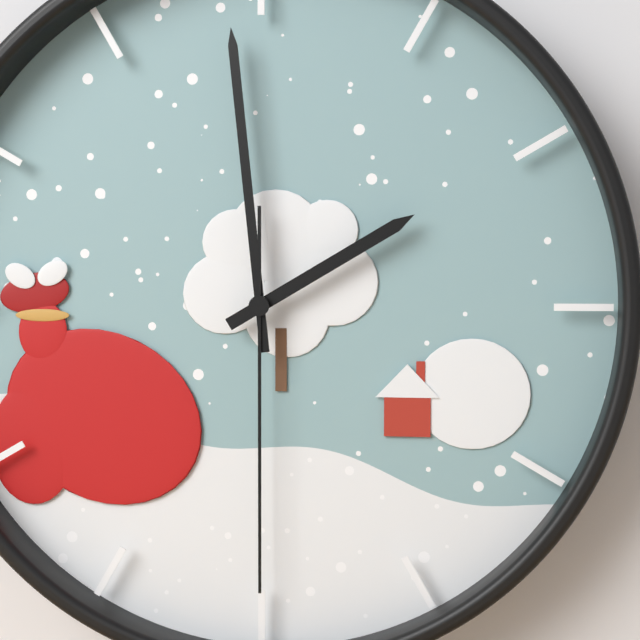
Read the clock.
1:59:30
